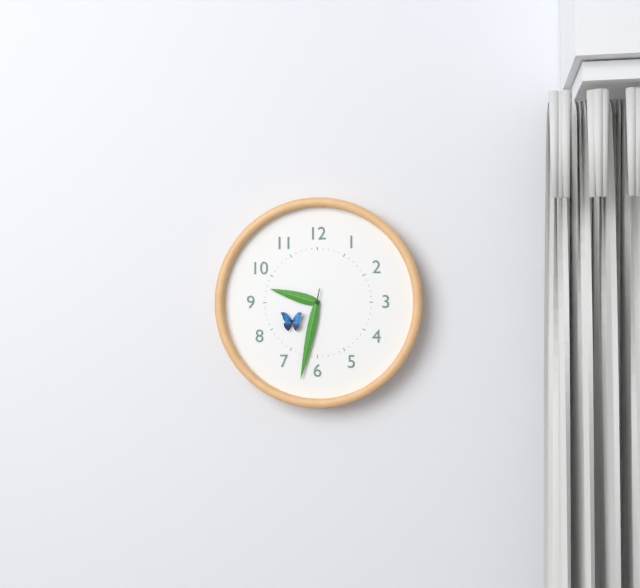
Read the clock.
9:32
